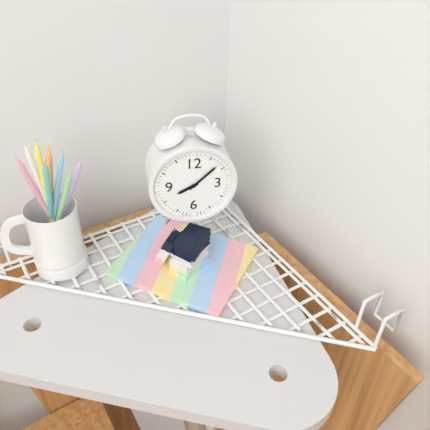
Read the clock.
8:08
